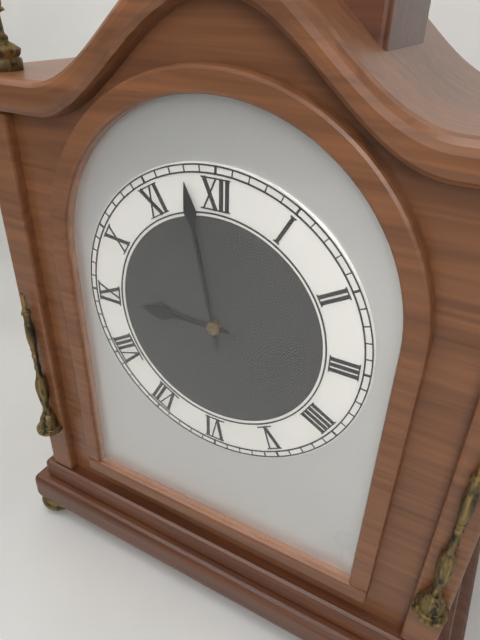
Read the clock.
8:58
